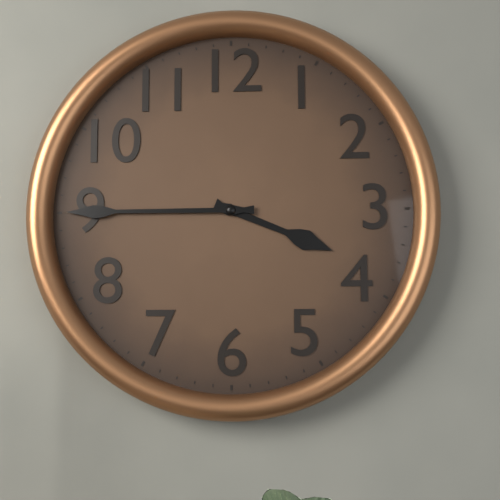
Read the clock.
3:45
